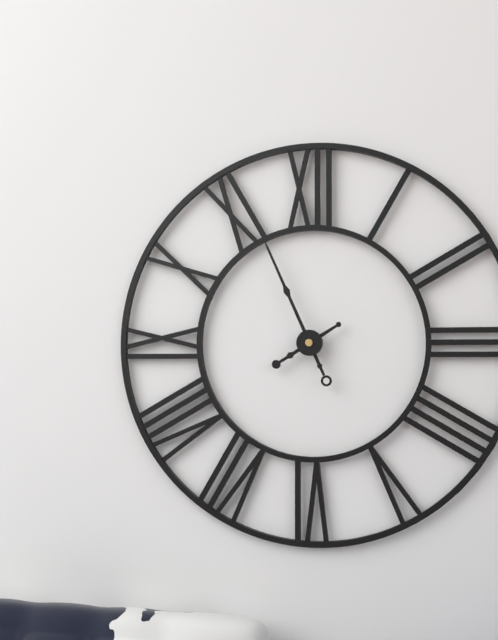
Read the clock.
7:56
